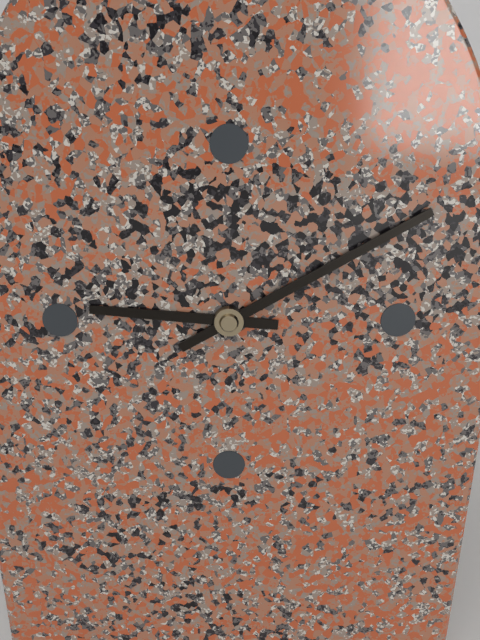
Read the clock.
9:10
